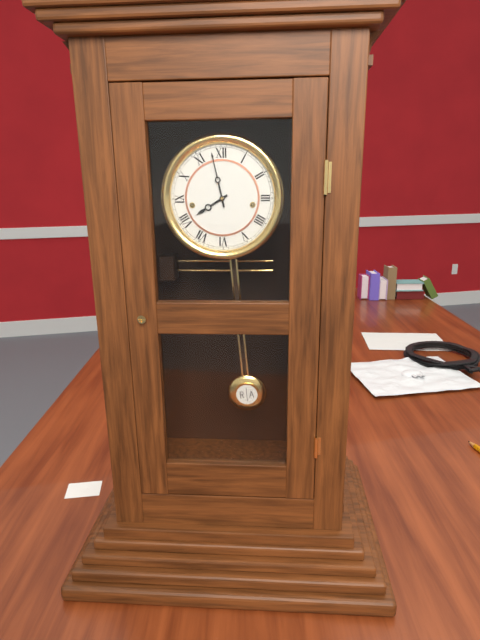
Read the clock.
7:58
